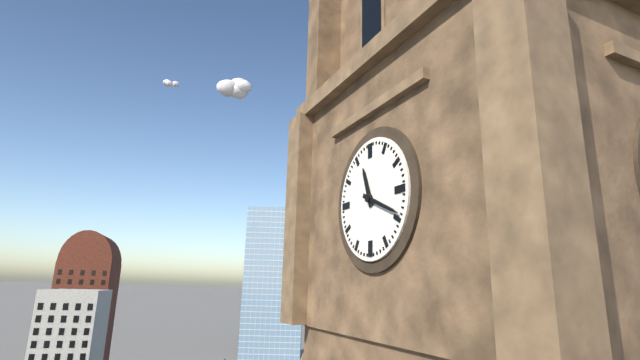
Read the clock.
11:19
